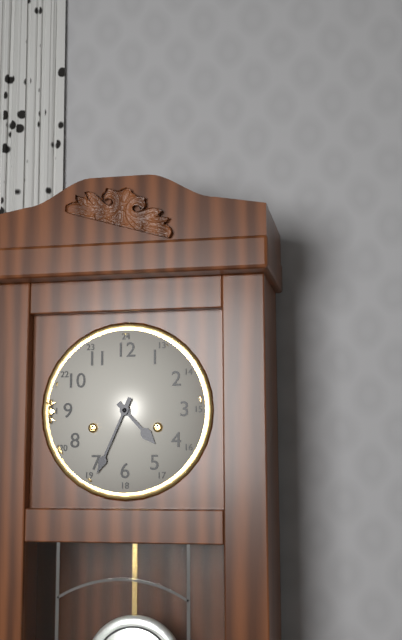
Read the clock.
4:34
